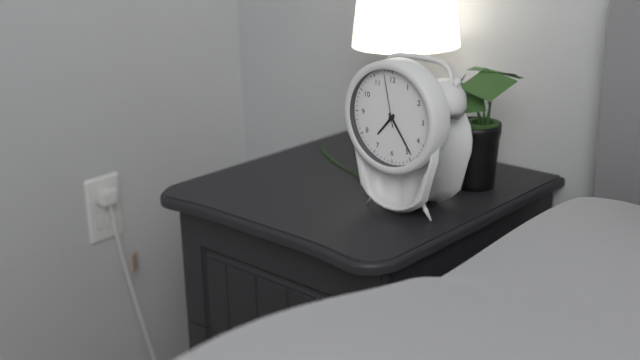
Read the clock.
7:24:58
